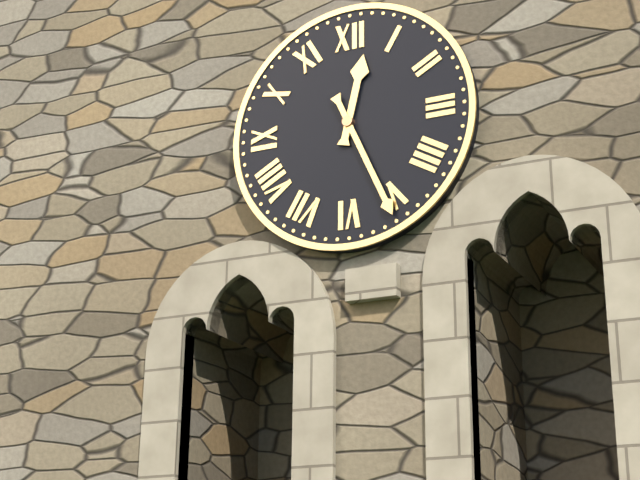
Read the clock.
12:26
